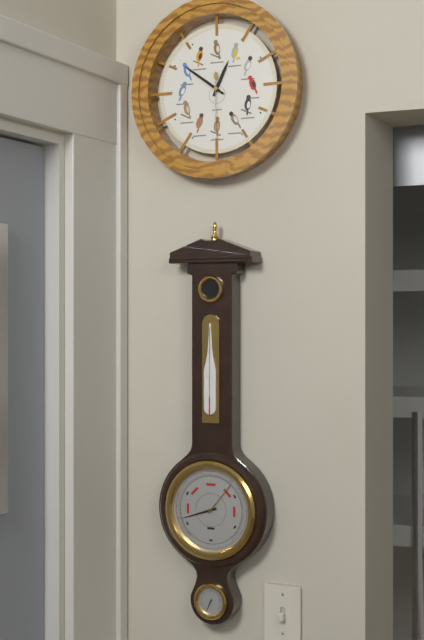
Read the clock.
12:51:30
